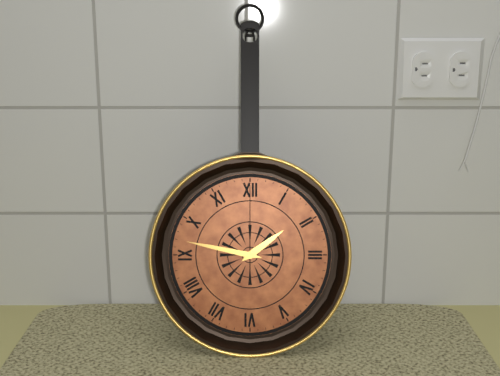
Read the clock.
1:47:00
